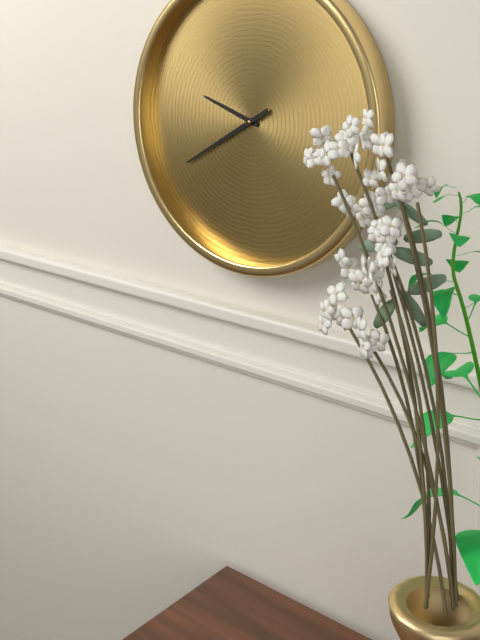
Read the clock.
9:40
